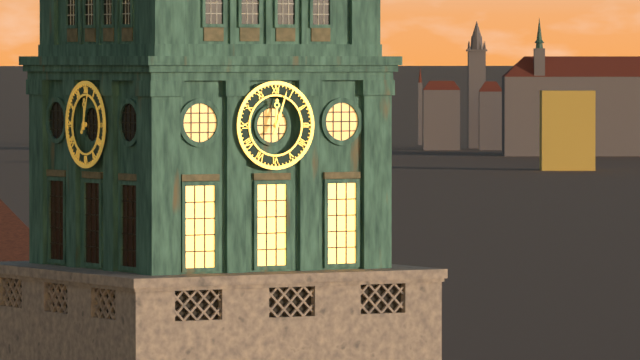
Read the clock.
12:03
